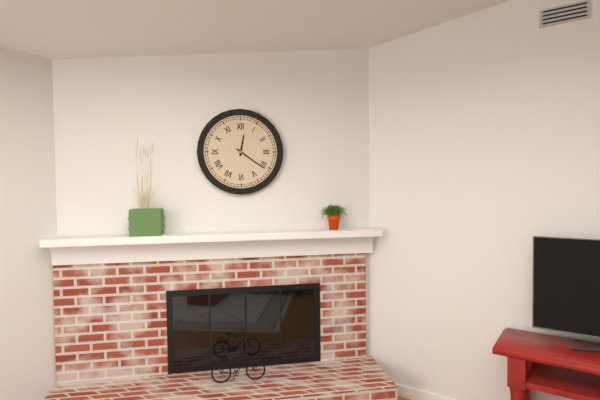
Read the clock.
12:21
